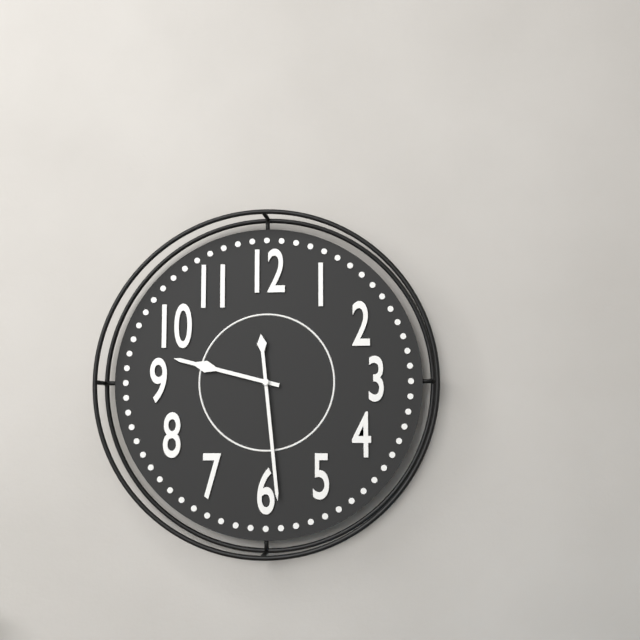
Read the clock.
9:29
